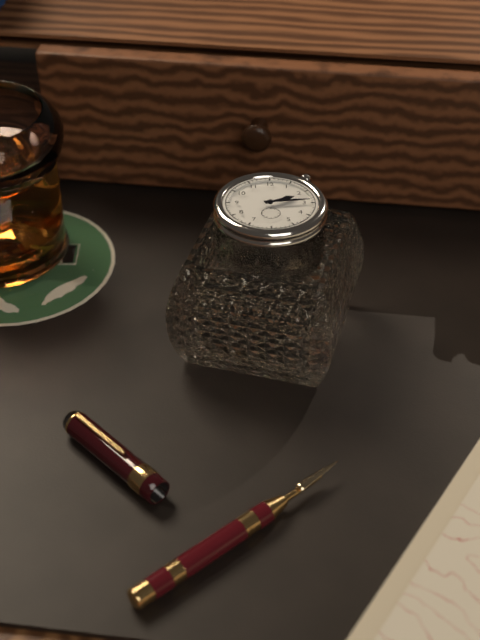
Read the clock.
2:14
